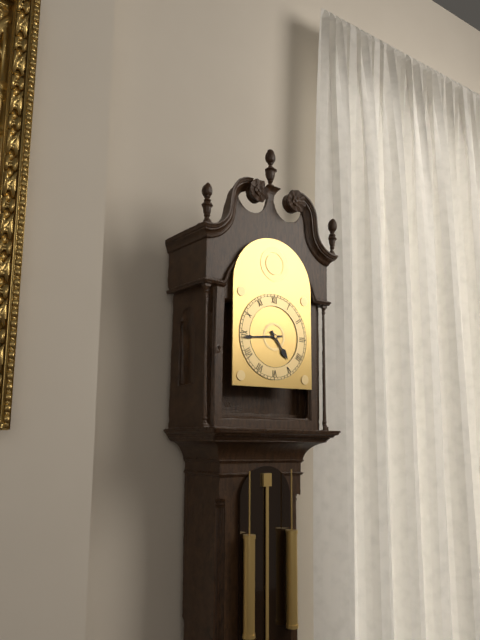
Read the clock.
4:44
